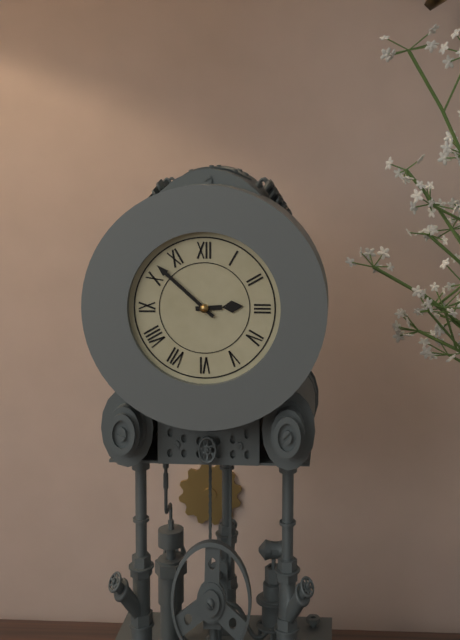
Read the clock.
2:52
